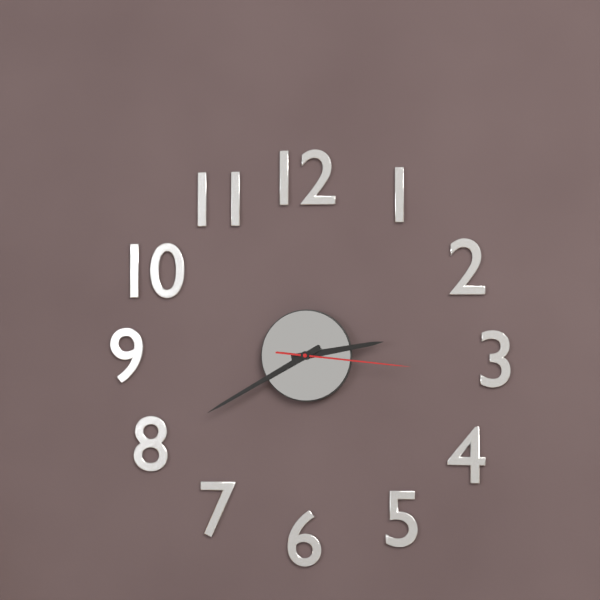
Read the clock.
2:40:16
